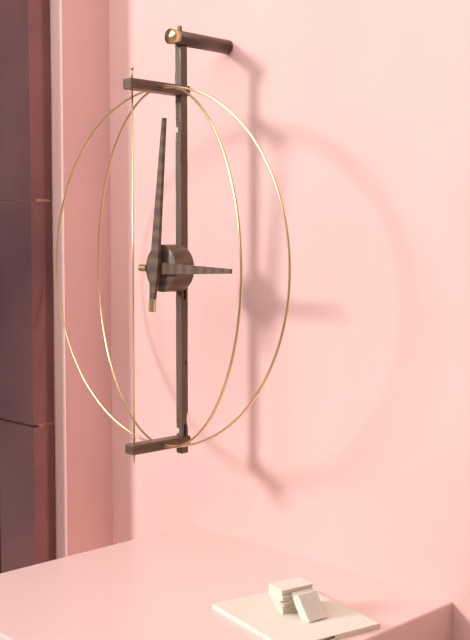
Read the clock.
3:01
